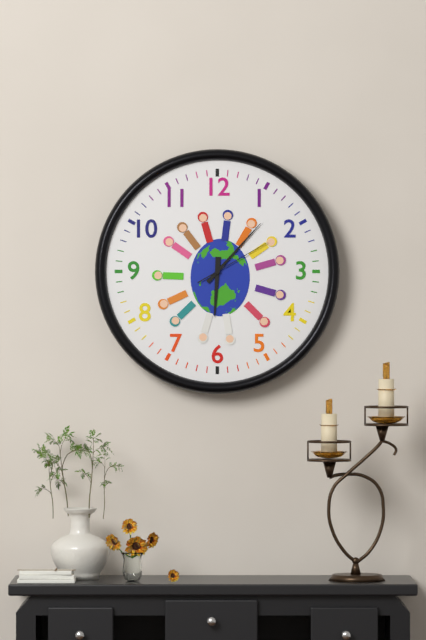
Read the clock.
6:07:10
